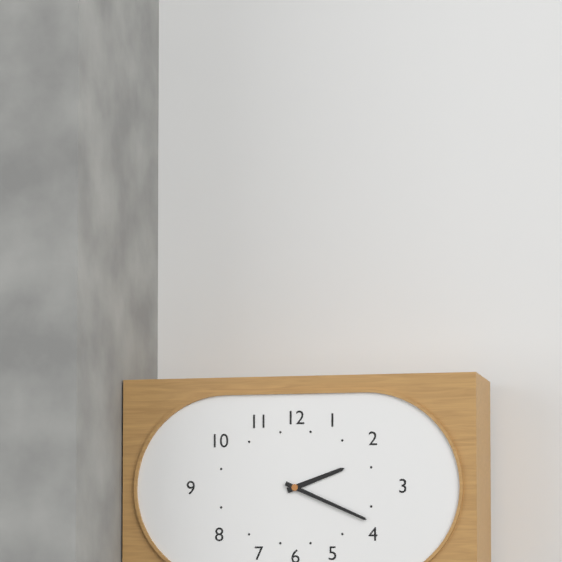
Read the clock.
2:19
